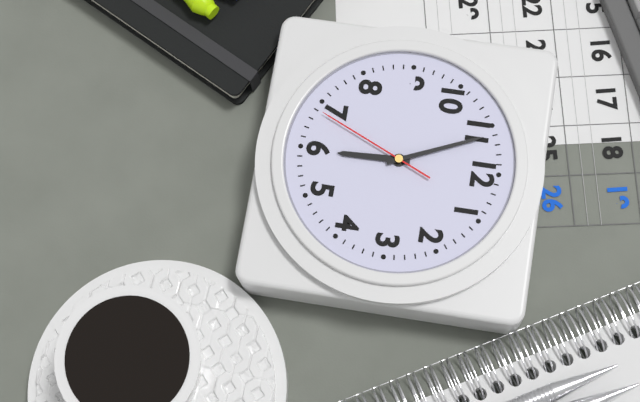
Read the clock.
5:56:34
